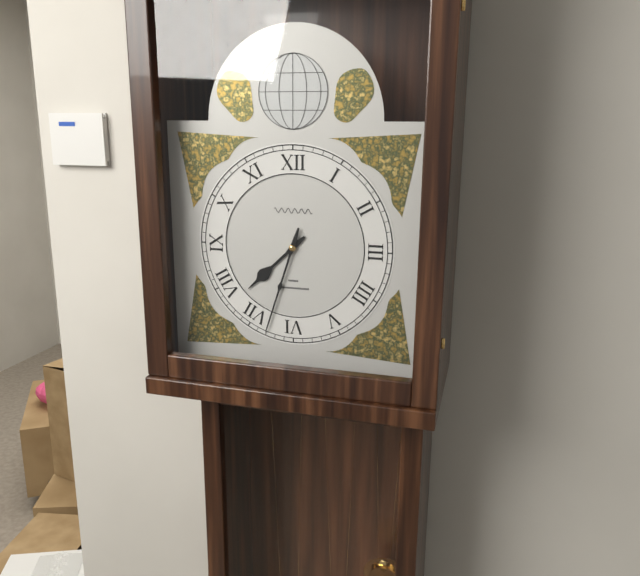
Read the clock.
7:33
